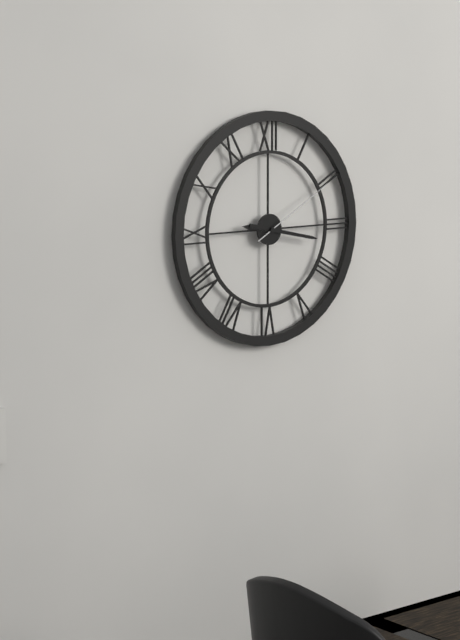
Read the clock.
9:17:10
